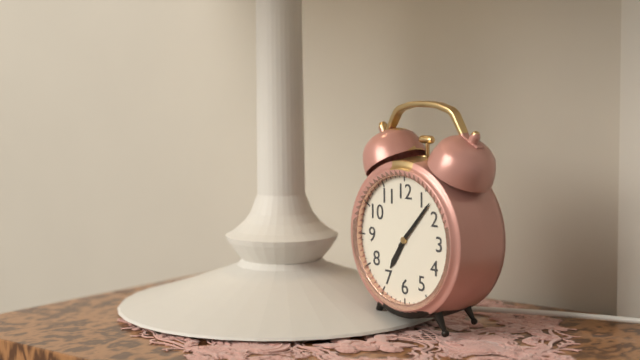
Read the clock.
7:07
